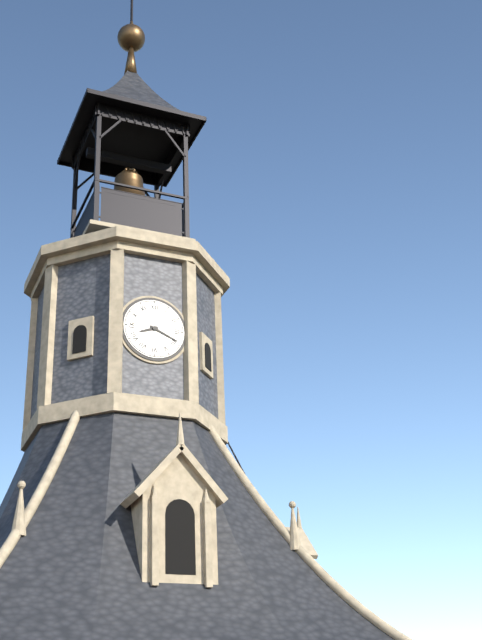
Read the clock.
8:19
